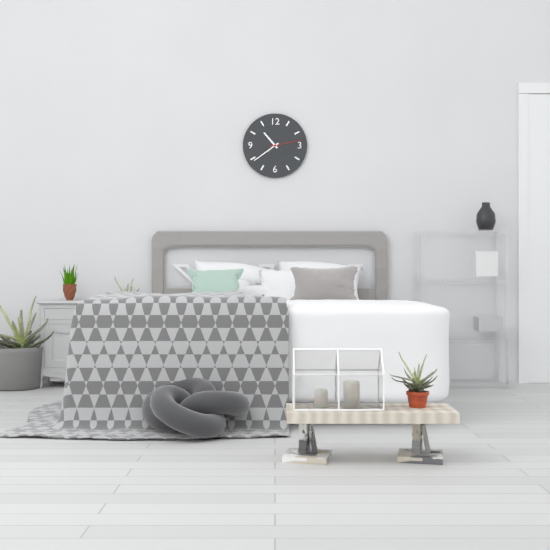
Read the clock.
10:39
